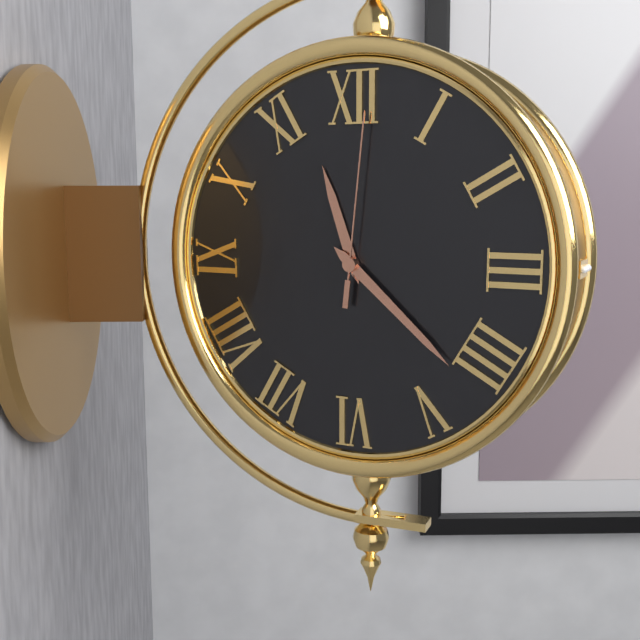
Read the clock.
11:22:01
